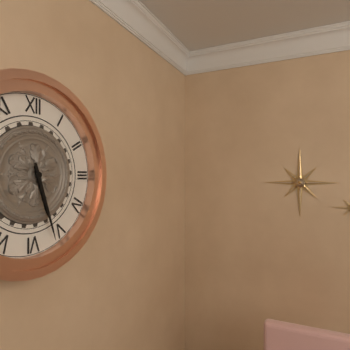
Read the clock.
5:27
